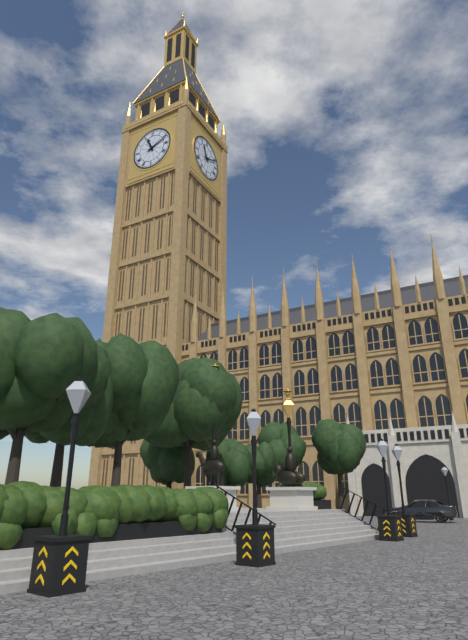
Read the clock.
11:11
